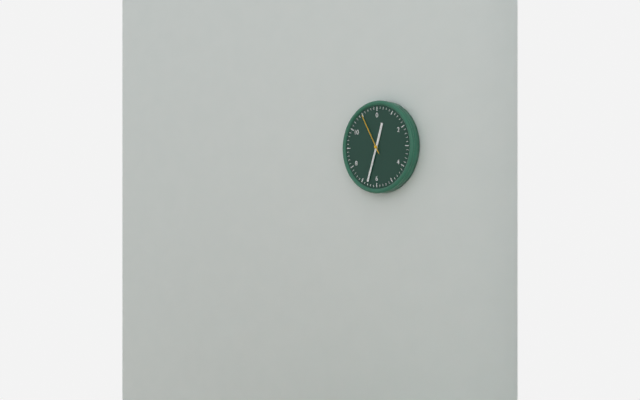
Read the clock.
12:33
